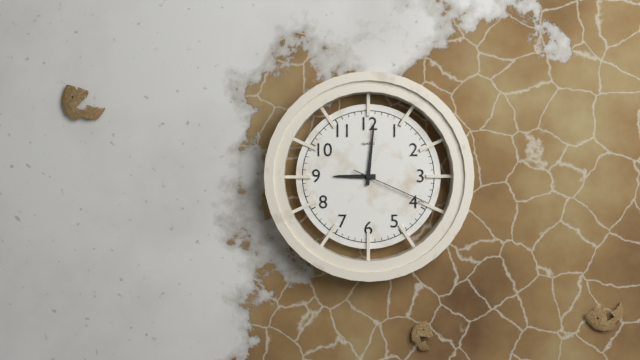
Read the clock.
9:01:19
